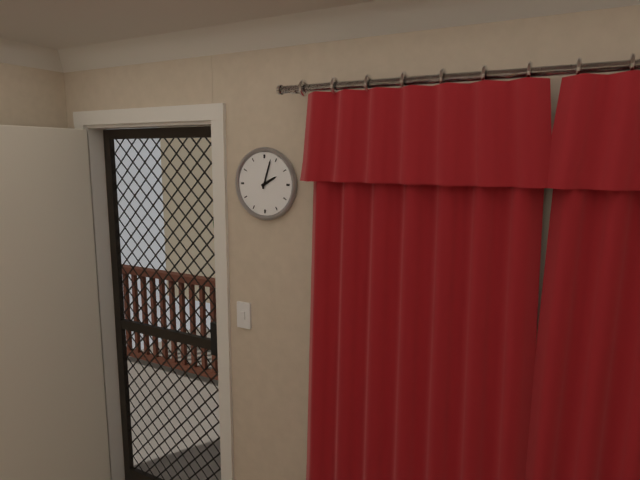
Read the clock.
2:03
